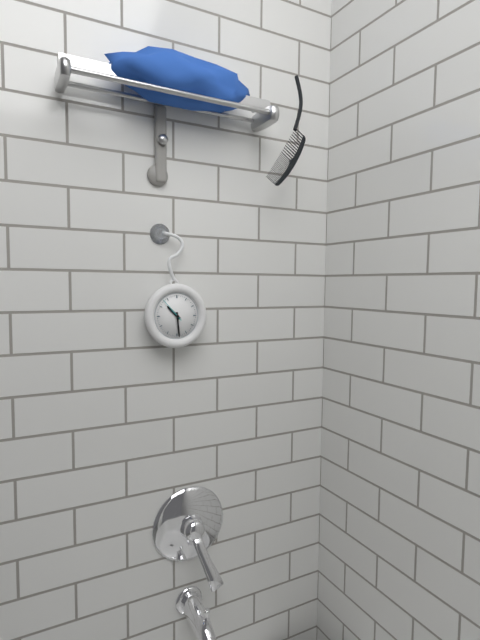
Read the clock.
10:29
